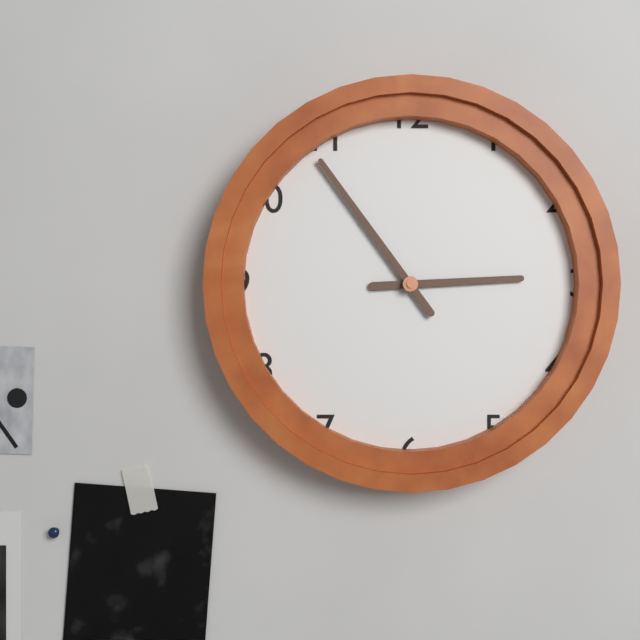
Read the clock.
2:54
